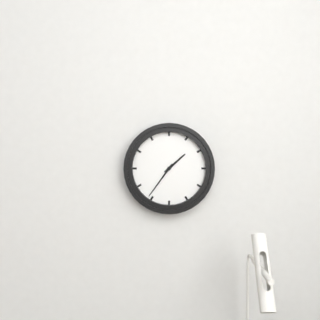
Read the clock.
1:36
